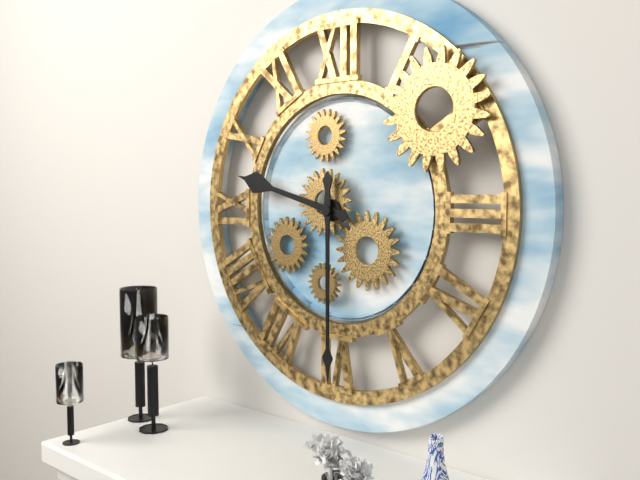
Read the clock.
9:30
